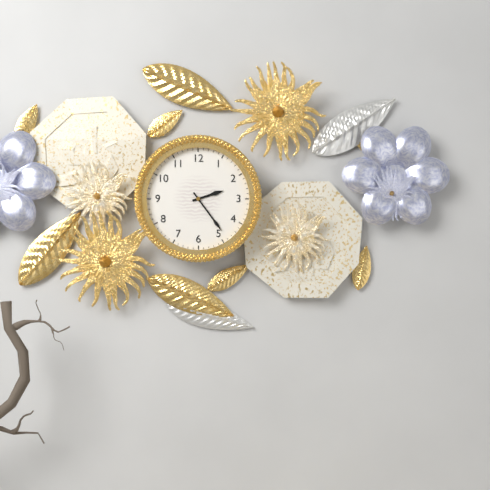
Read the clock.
2:24
